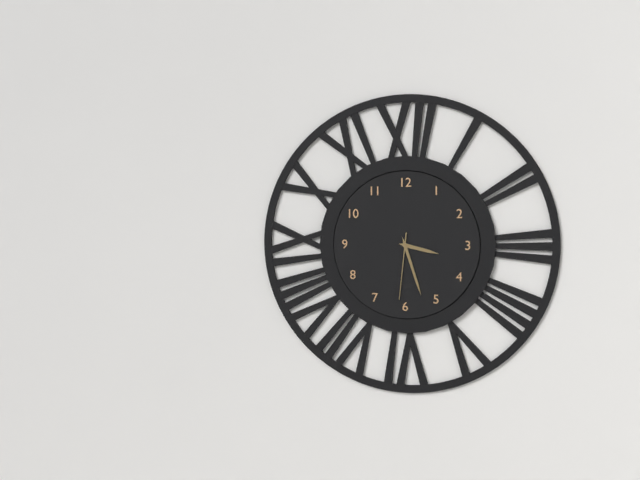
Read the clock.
3:27:31
